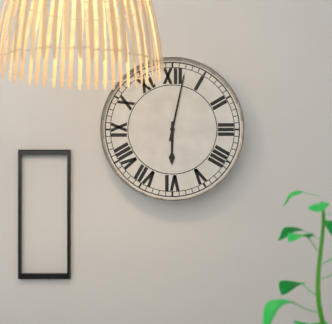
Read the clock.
6:02
